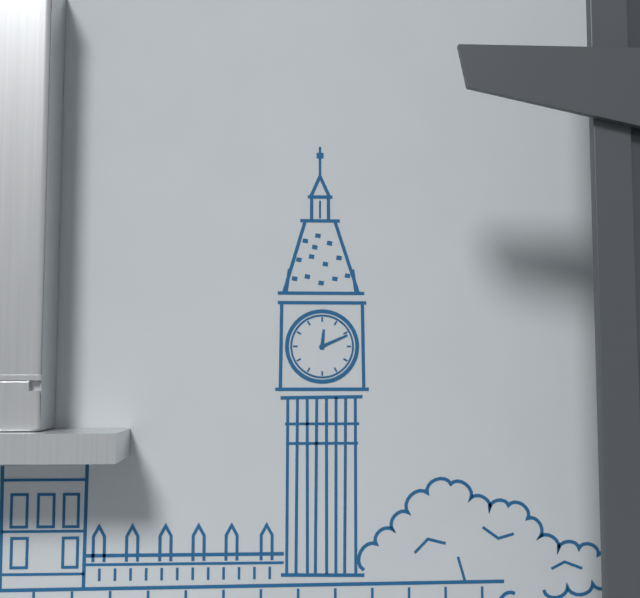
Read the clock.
12:11
